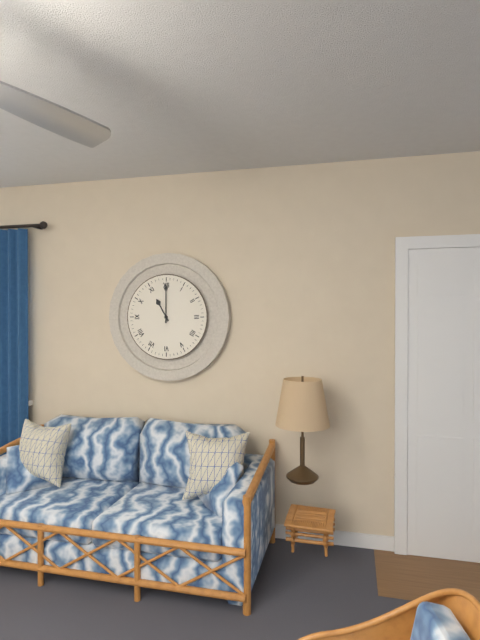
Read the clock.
11:00
